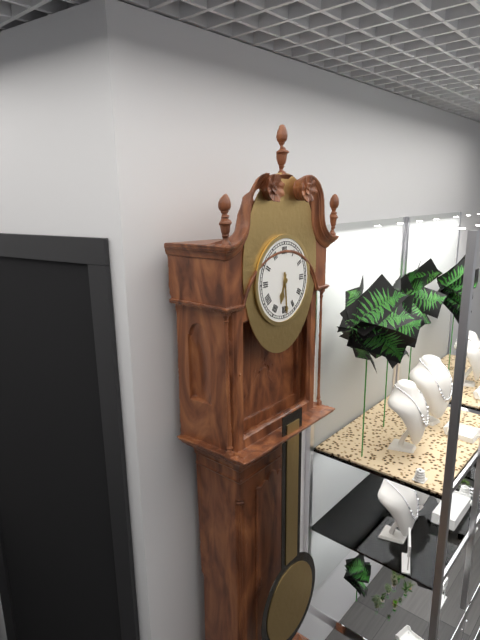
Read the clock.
6:29
